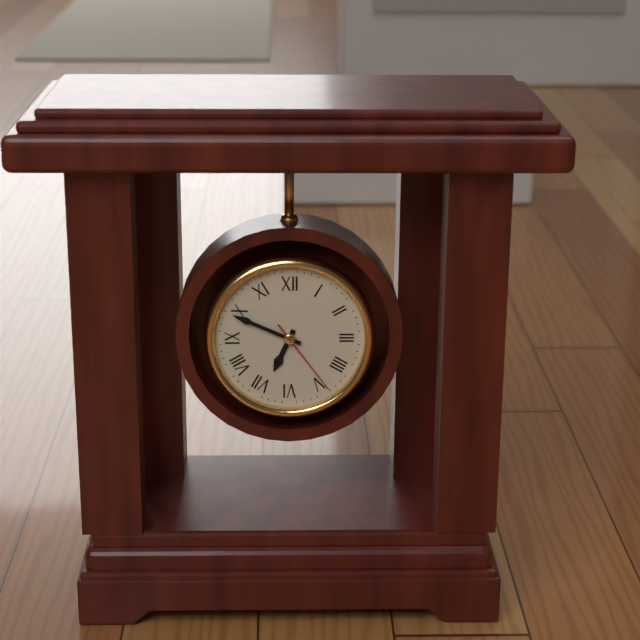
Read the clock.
6:49:24
